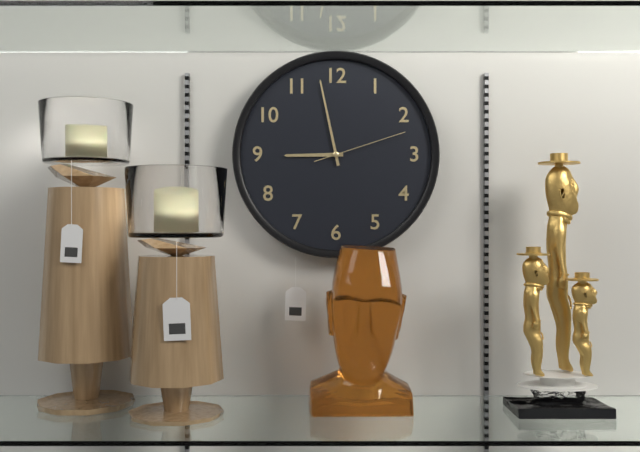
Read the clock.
8:58:12
